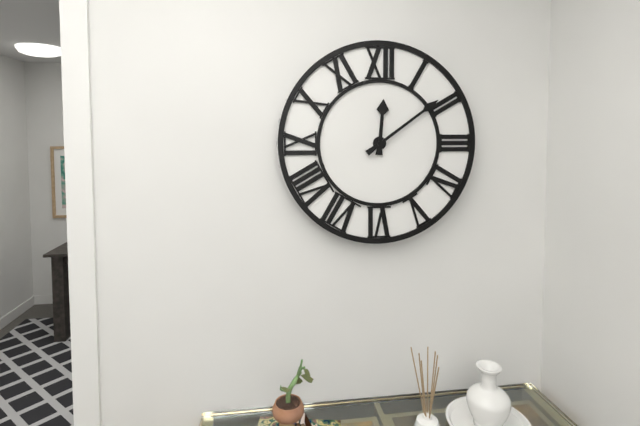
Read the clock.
12:09
